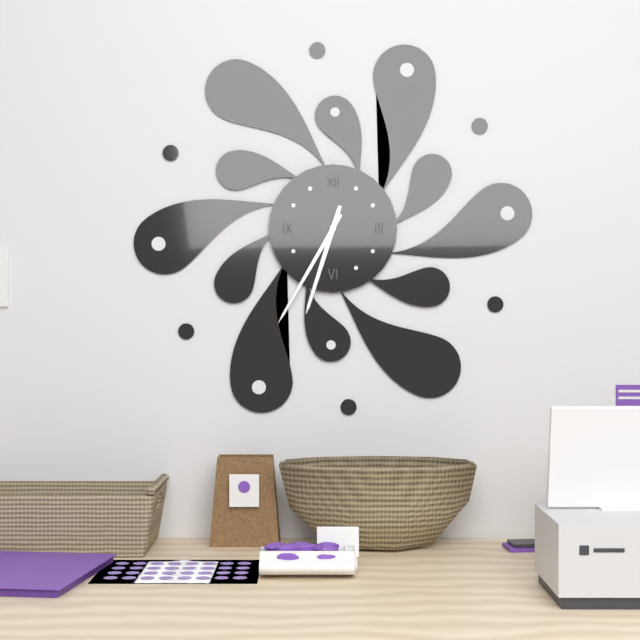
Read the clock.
6:35
